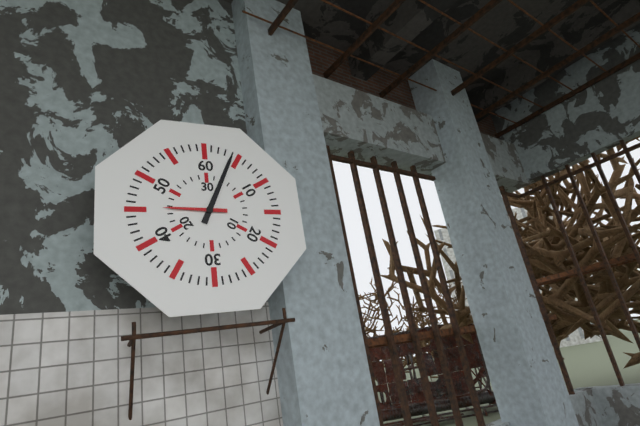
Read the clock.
9:04
